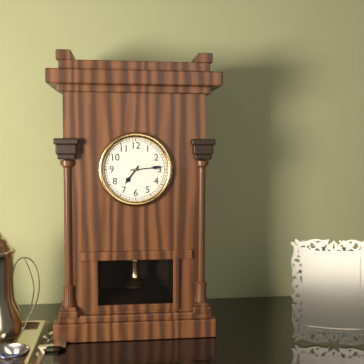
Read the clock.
7:14
